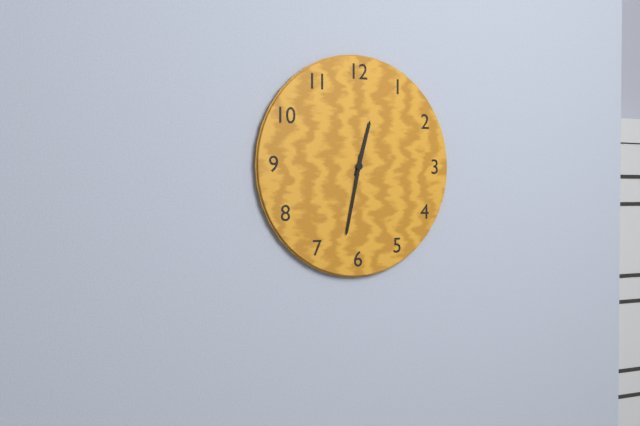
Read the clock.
12:32
